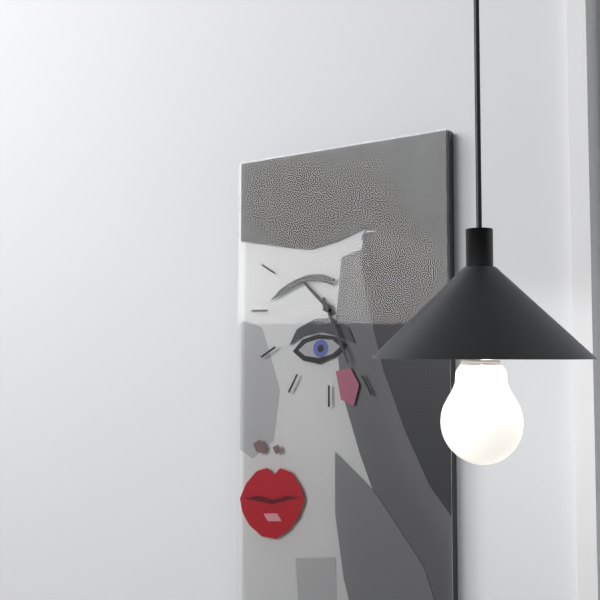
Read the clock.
10:26
